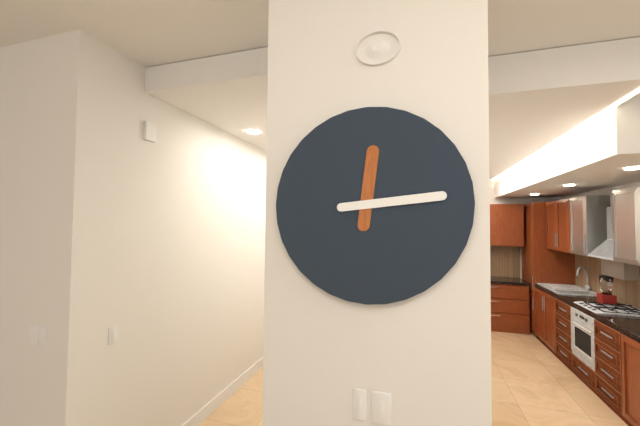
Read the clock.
12:14
